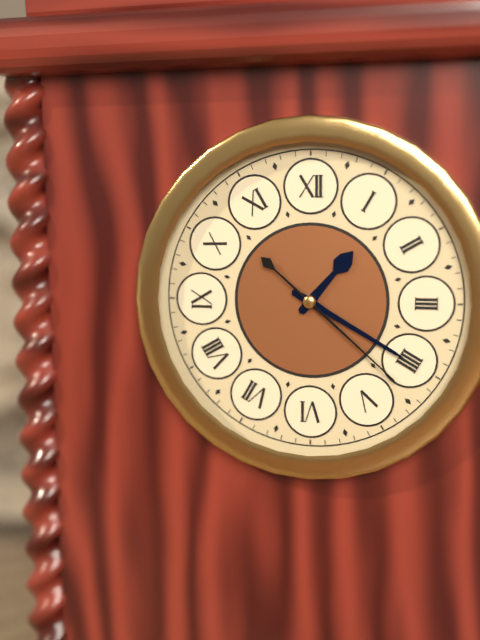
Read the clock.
1:20:22
